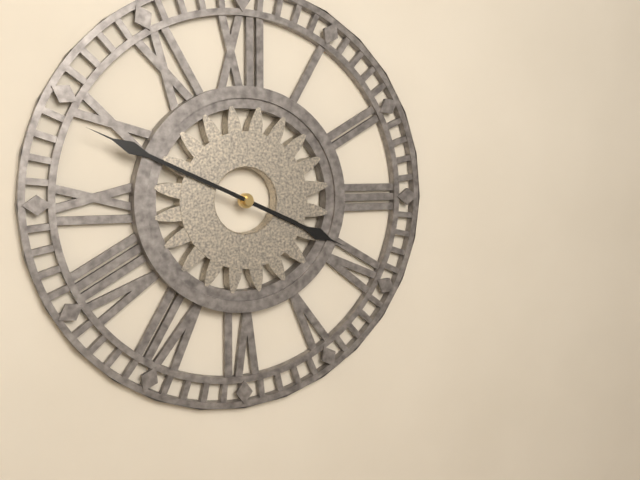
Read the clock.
3:49
